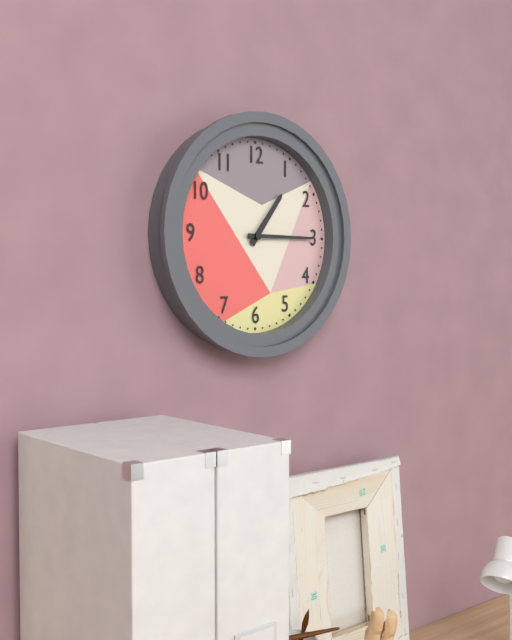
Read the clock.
1:15
